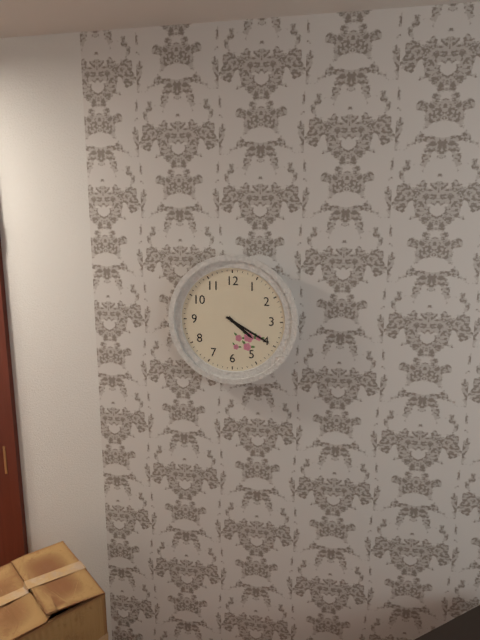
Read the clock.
4:20
